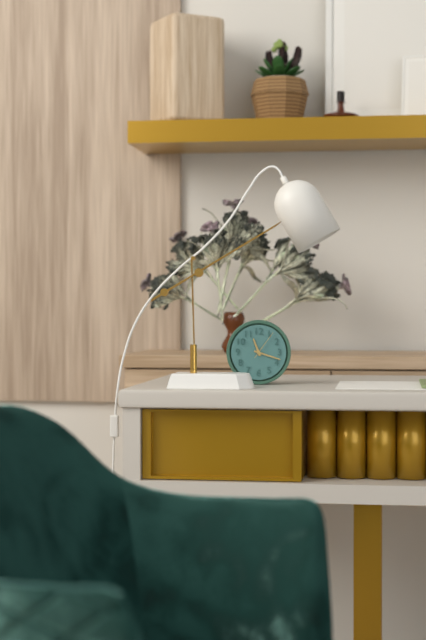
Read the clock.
11:18
